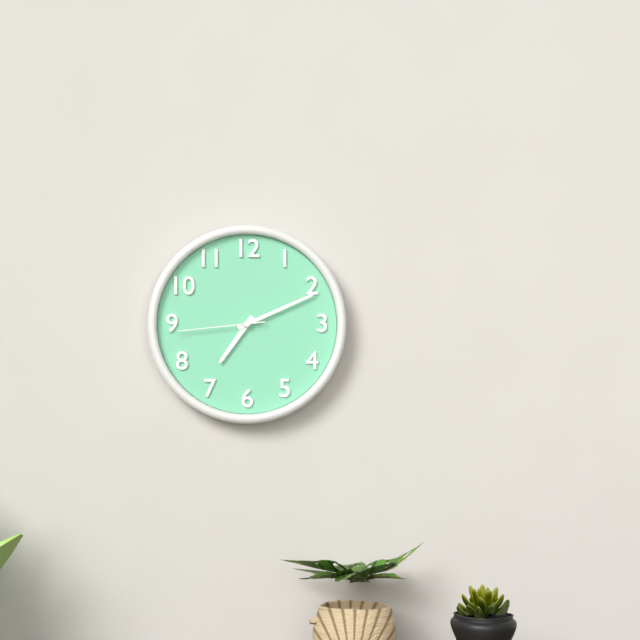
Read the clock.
7:11:44
